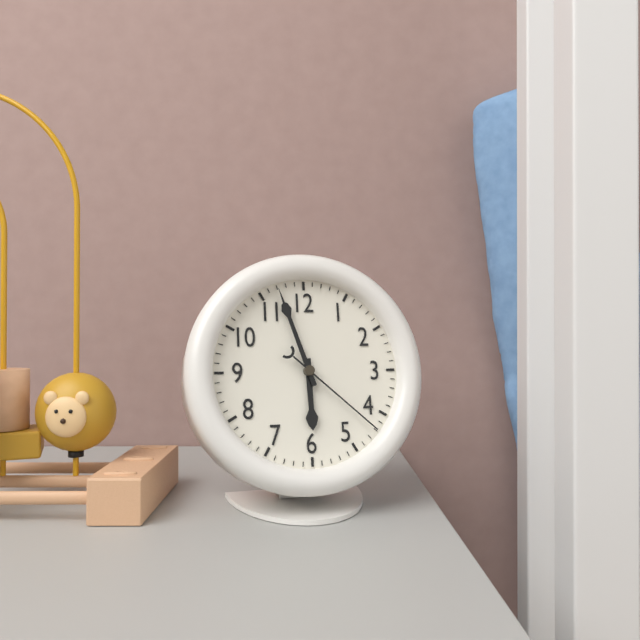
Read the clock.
5:57:22
